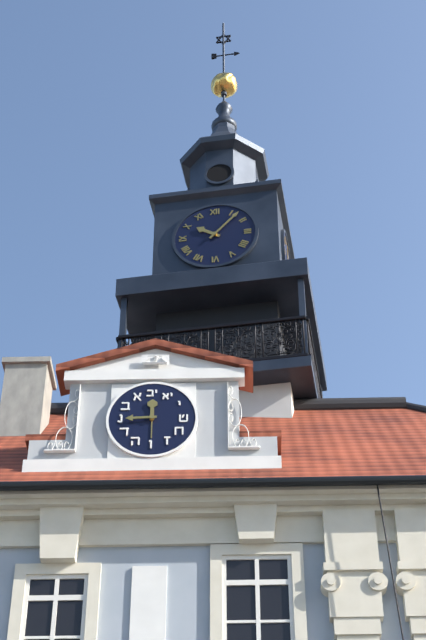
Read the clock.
10:07
